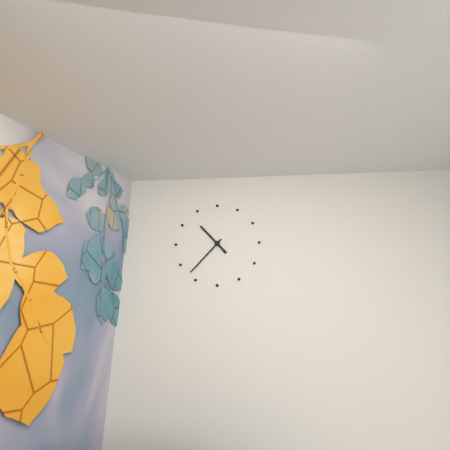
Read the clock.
10:37
